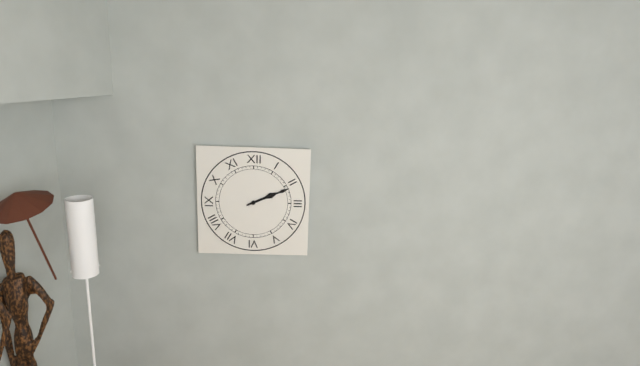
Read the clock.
2:11
